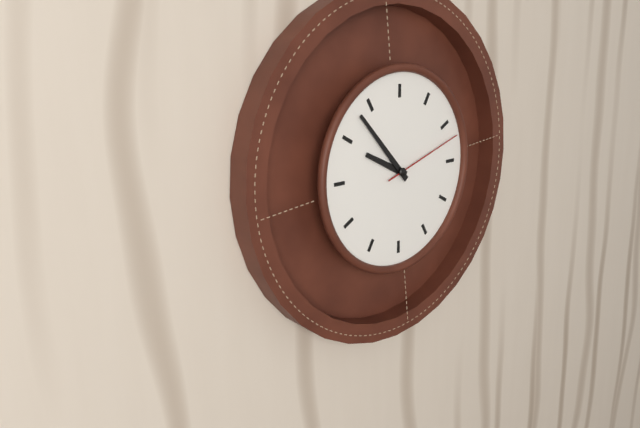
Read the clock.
9:53:12
